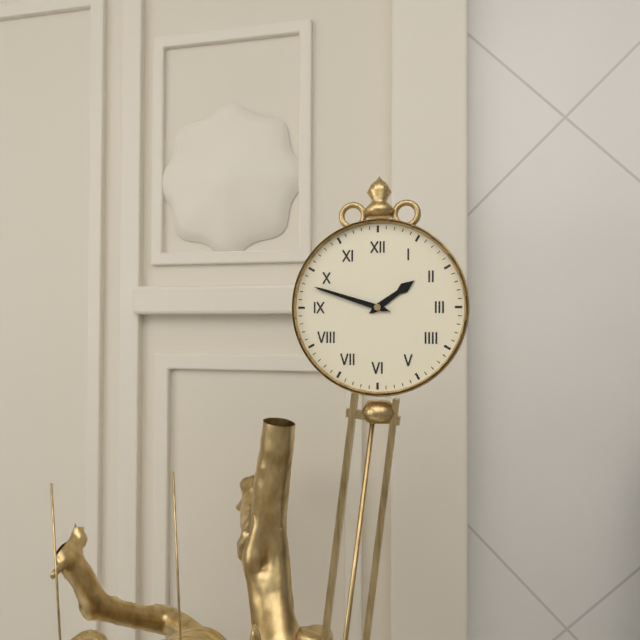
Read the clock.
1:48
